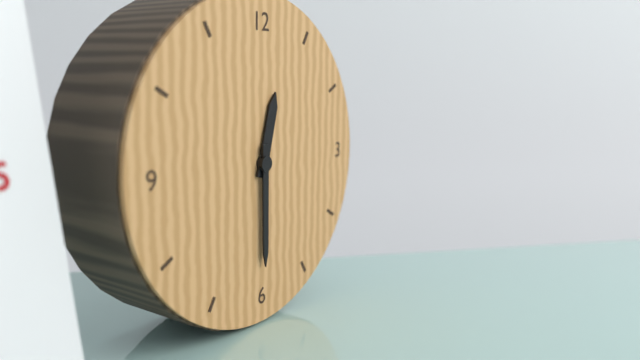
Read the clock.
12:30
